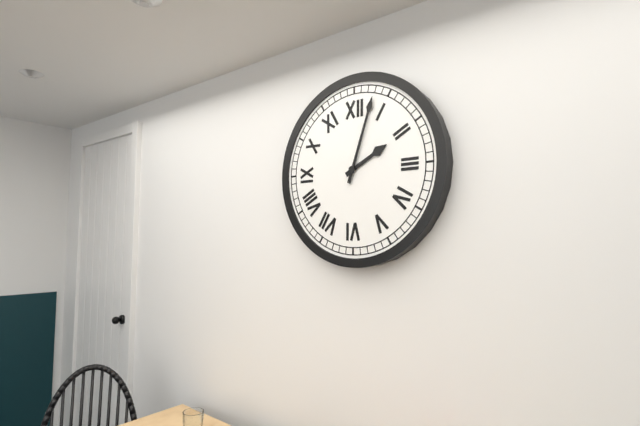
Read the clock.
2:03
